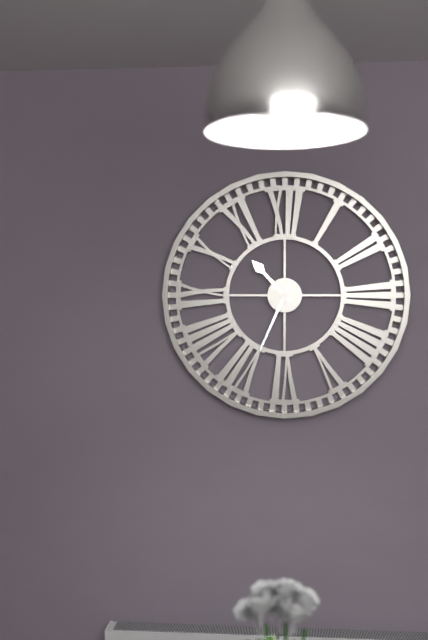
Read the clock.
10:34
